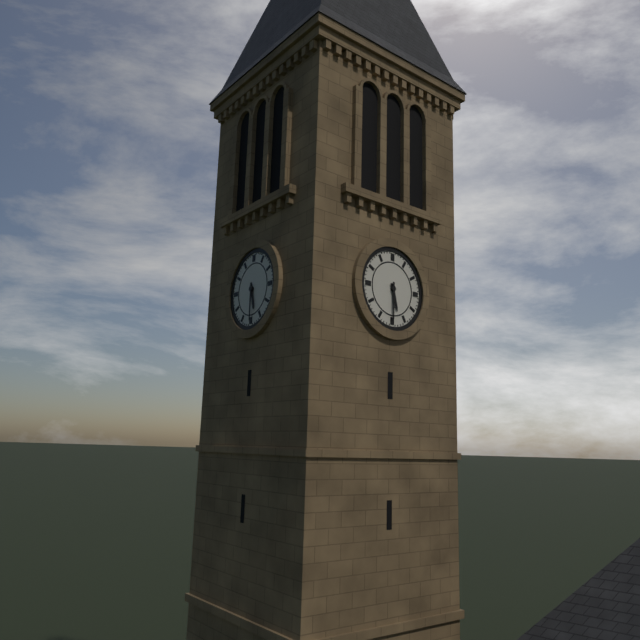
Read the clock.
5:30
